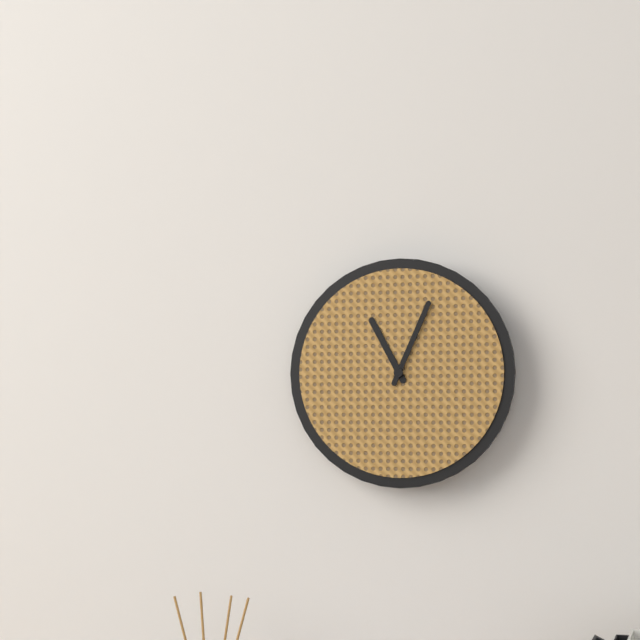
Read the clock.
11:04
